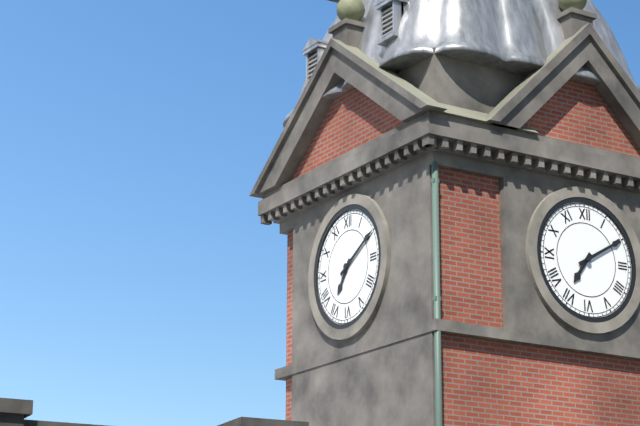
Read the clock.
7:10
